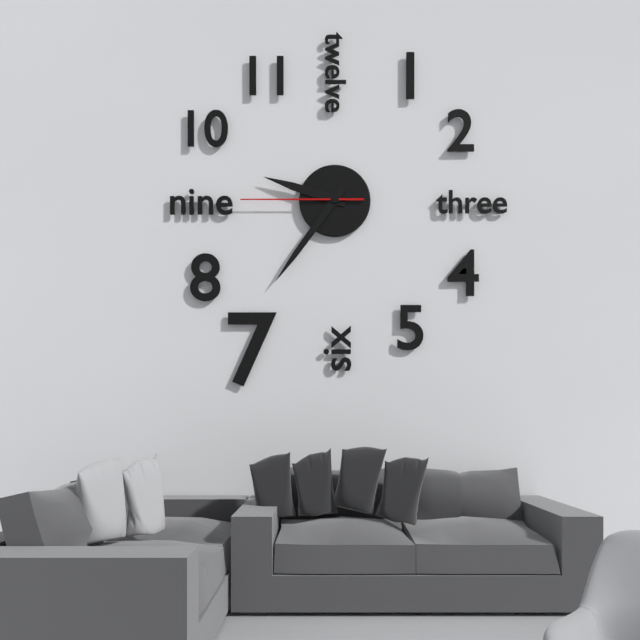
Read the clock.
9:36:45
